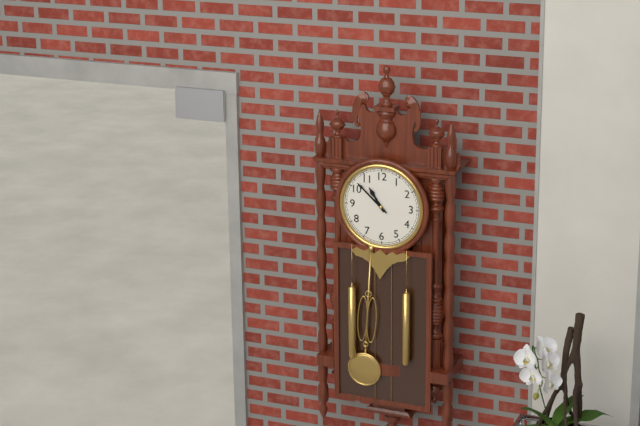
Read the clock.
10:52
